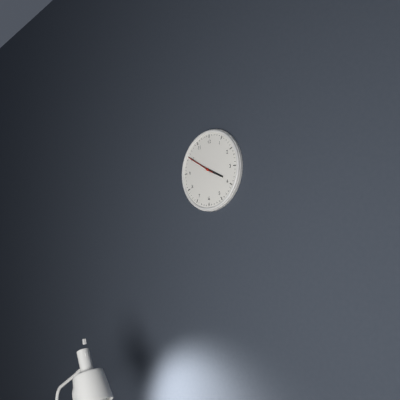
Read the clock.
3:50
